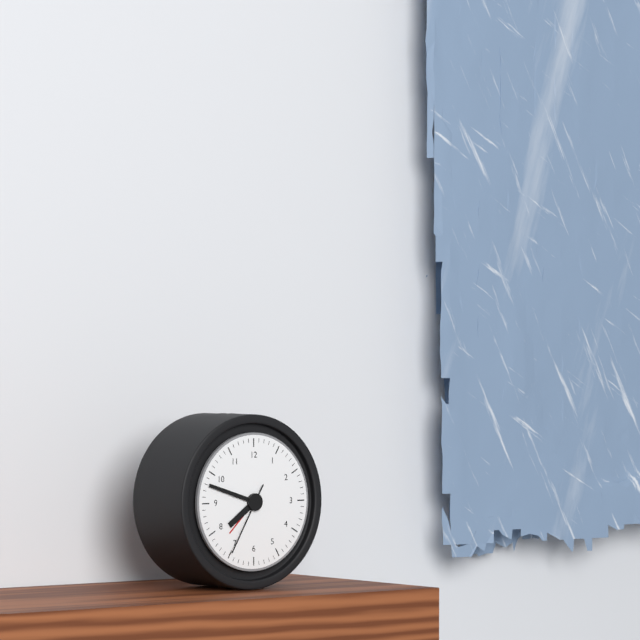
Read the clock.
7:48:35
